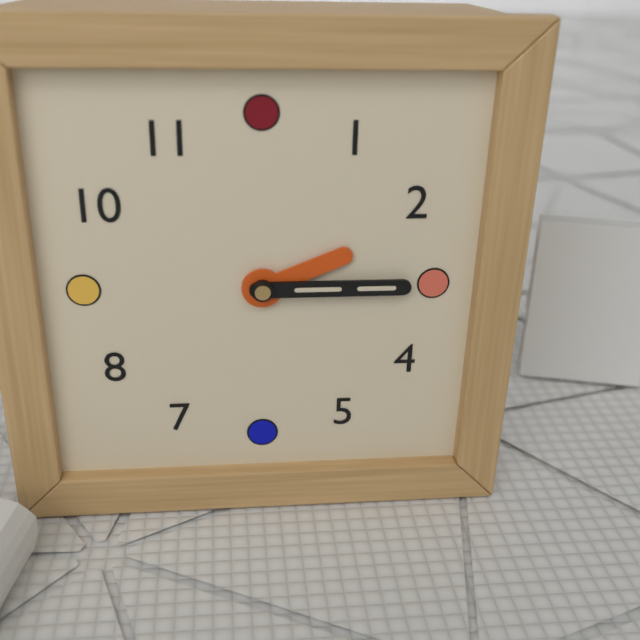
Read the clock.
2:15
